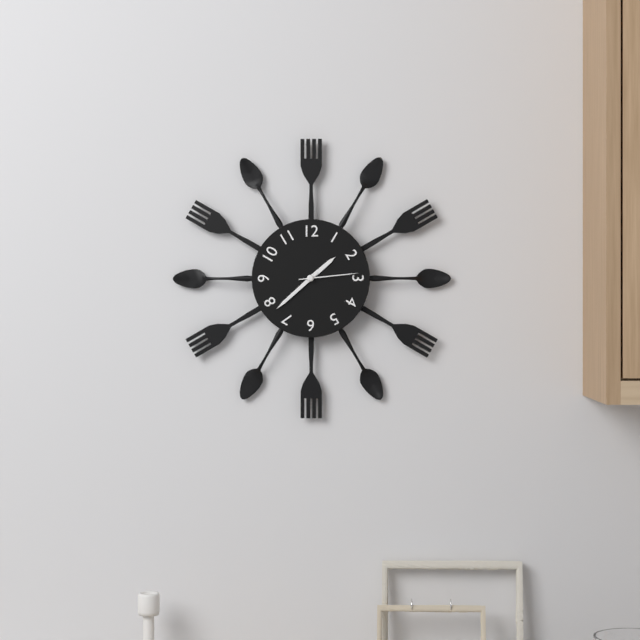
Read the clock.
1:38:14
